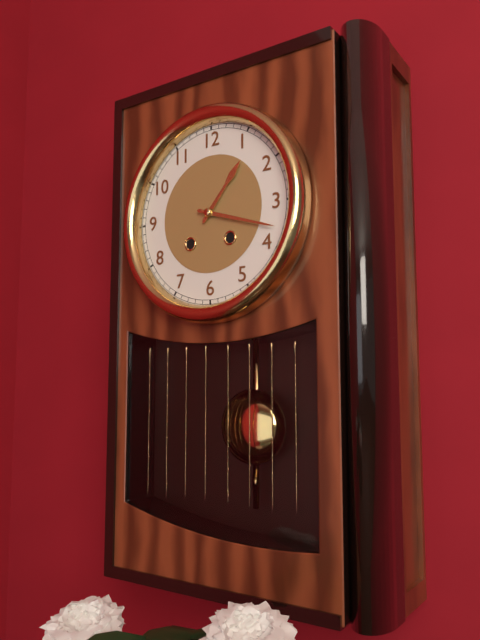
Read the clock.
1:18
